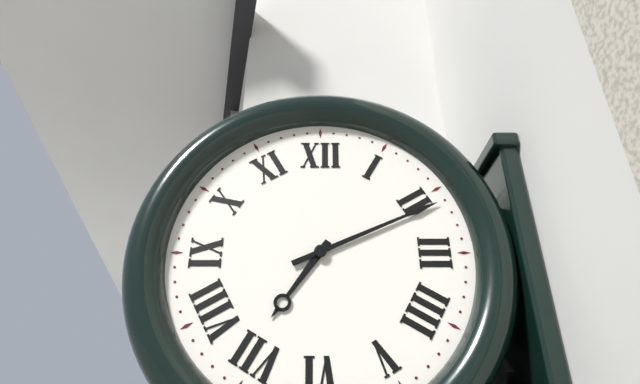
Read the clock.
7:11
